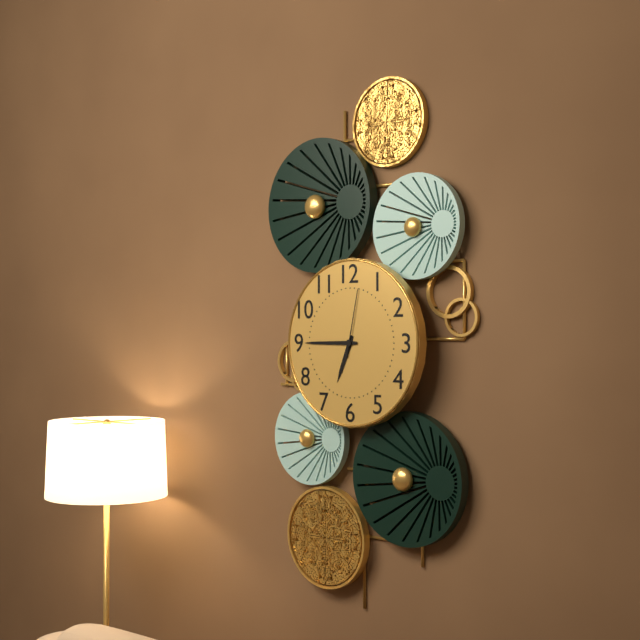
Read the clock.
6:45:02
